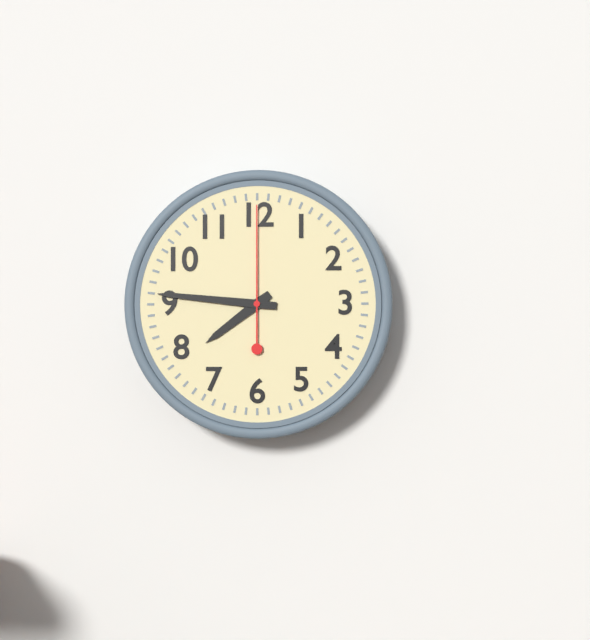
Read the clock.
7:46:00
